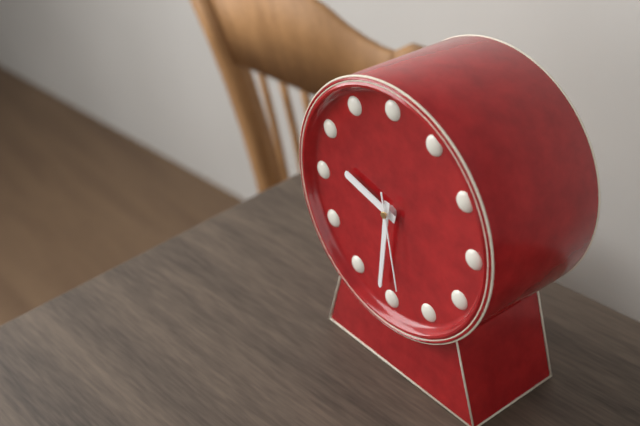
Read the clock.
9:31:28
